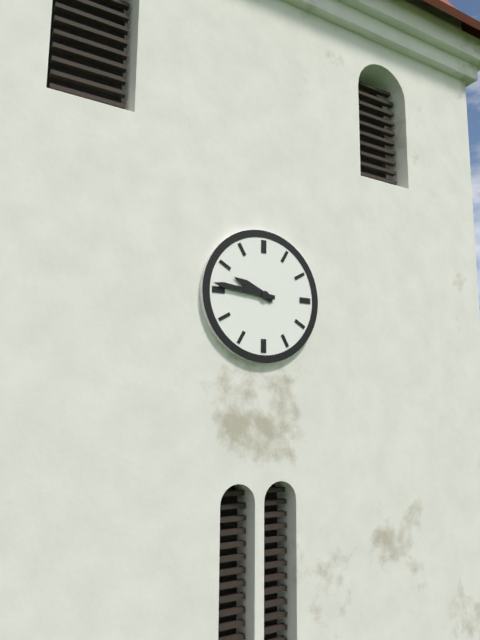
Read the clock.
9:46
